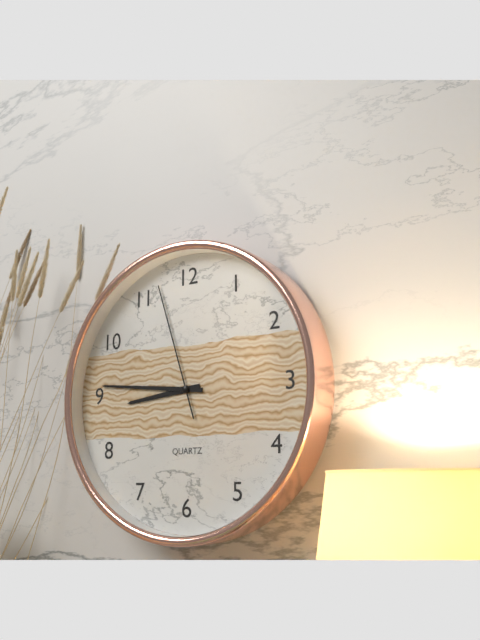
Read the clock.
8:46:57
